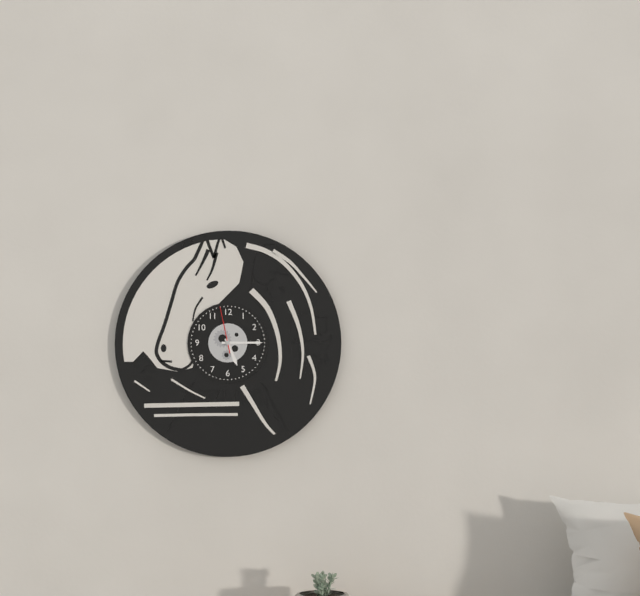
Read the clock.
5:15
